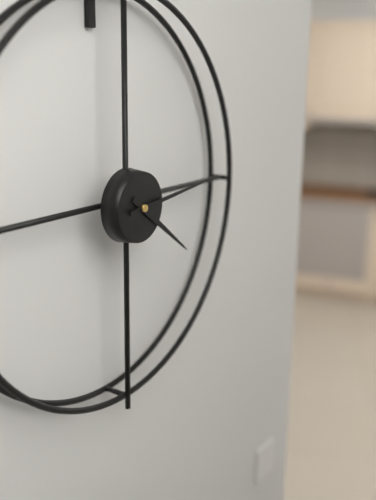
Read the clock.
4:14
